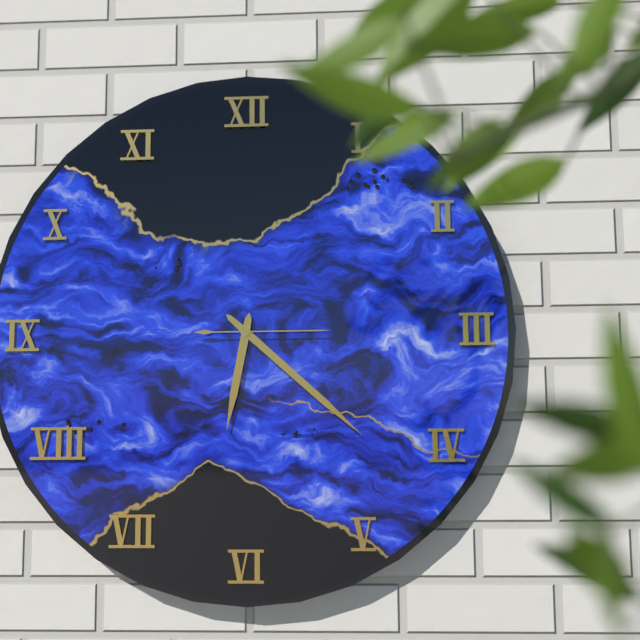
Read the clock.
6:22:15
